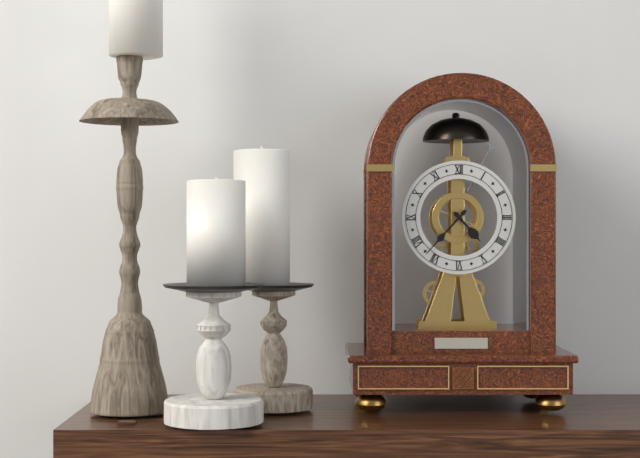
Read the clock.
4:37
